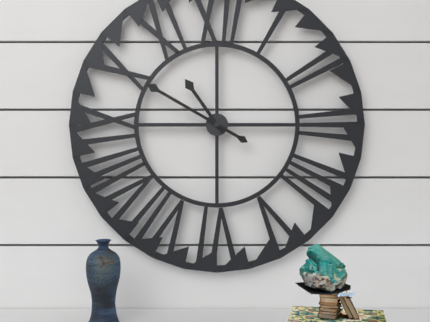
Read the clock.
10:50
